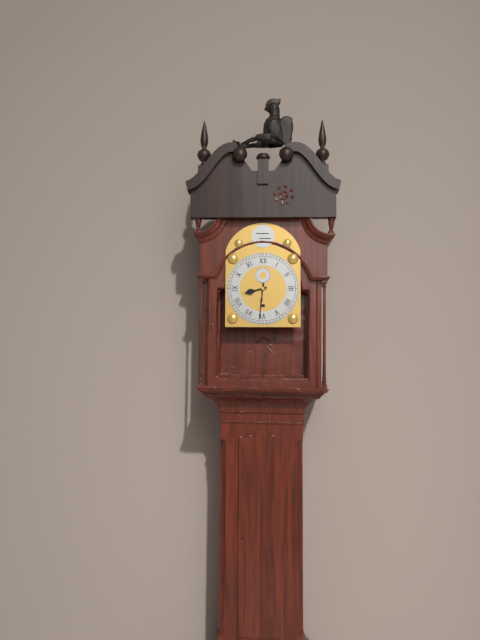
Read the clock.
8:31
